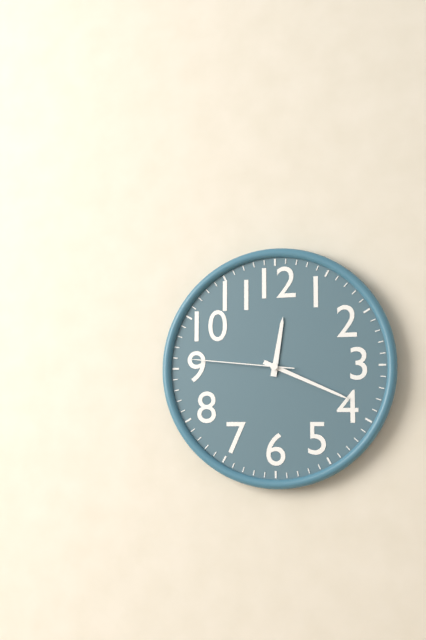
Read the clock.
12:19:46
